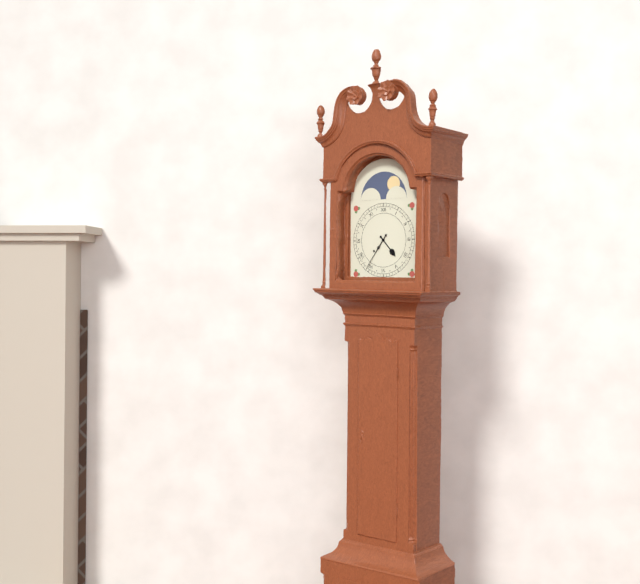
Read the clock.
4:36
